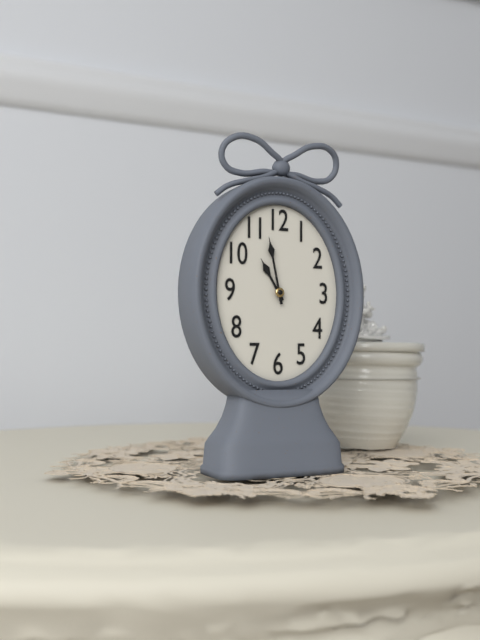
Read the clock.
10:58
